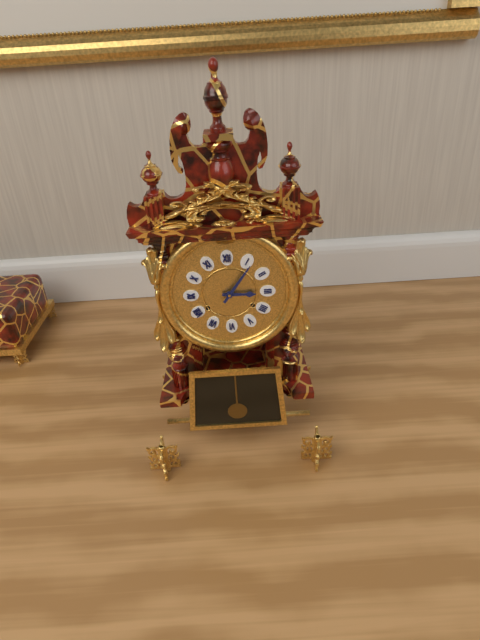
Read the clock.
3:06
